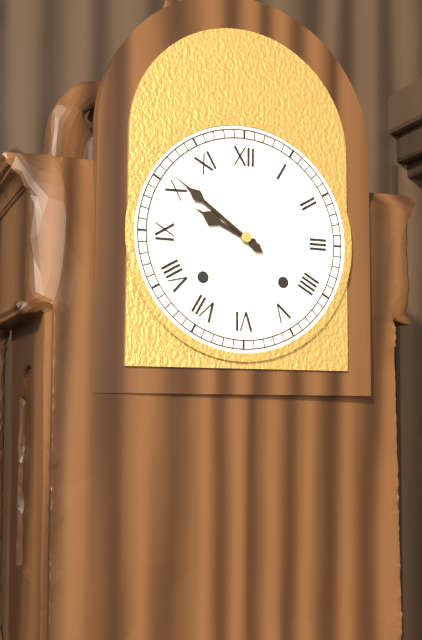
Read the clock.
9:51
